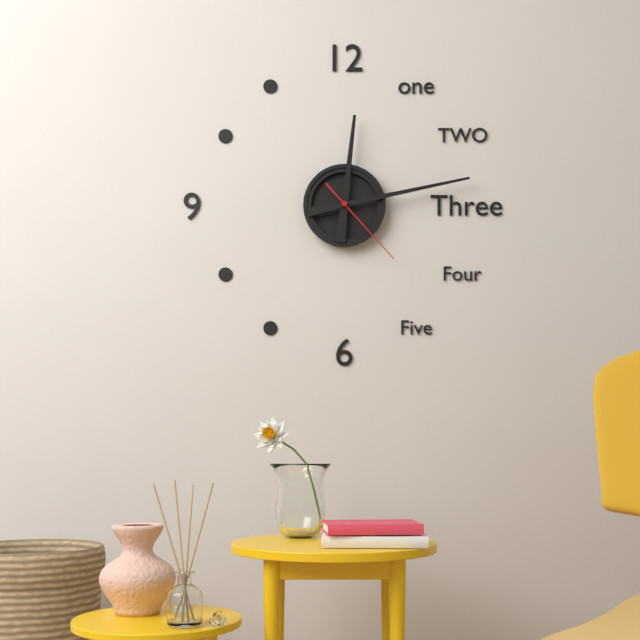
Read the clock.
12:13:23
